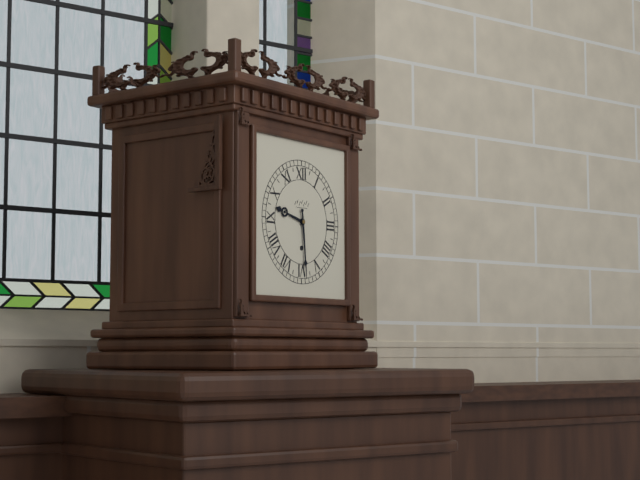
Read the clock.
9:29
